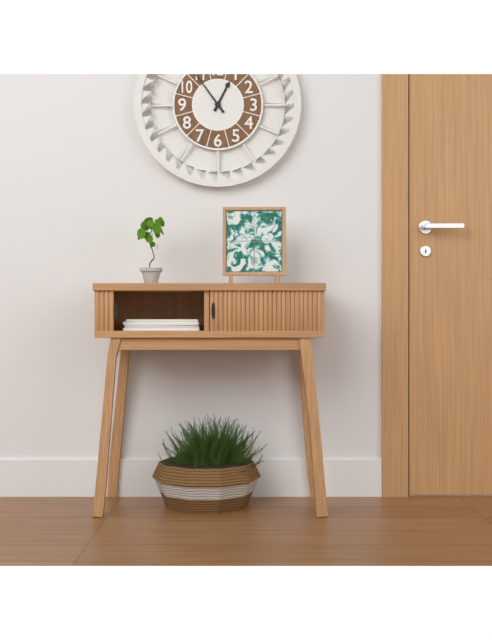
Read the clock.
12:54
